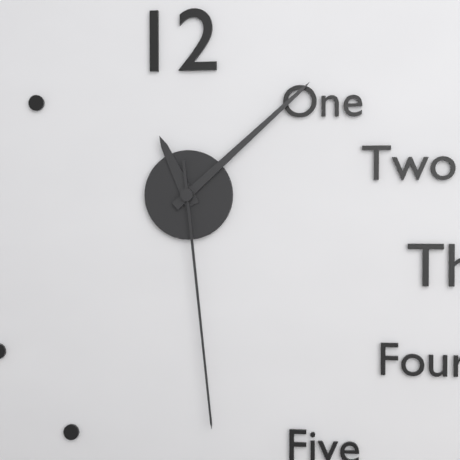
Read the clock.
11:08:29
